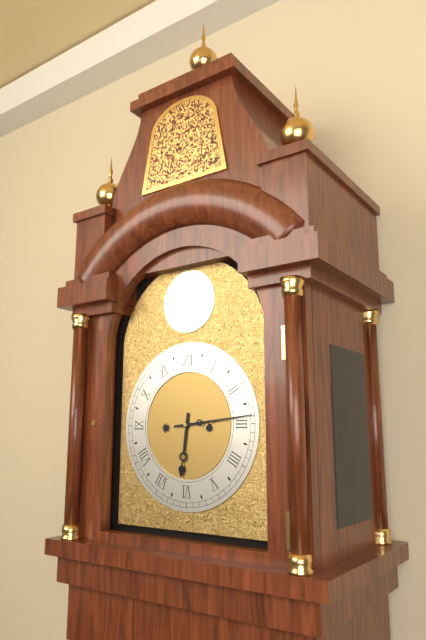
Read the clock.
6:14
